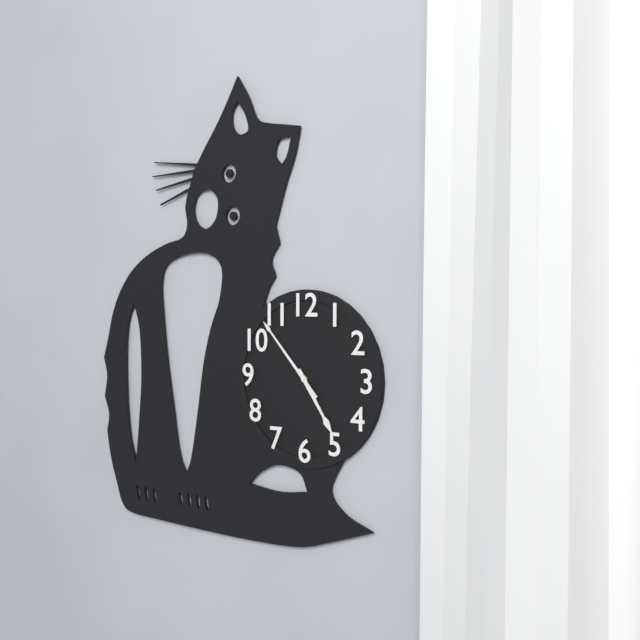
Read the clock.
4:53
